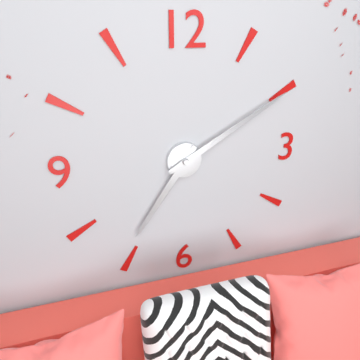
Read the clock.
7:10
